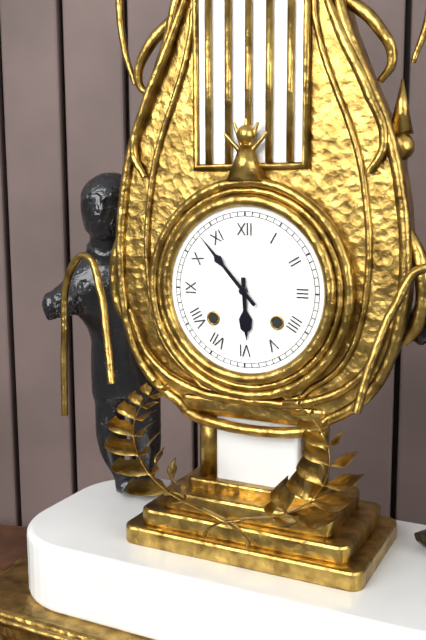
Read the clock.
5:53
